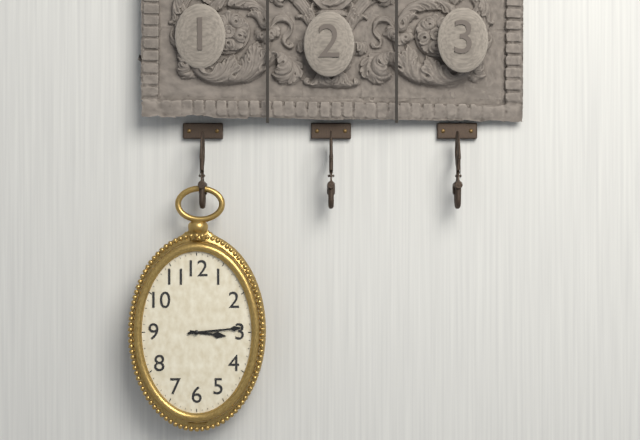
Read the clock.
3:14
